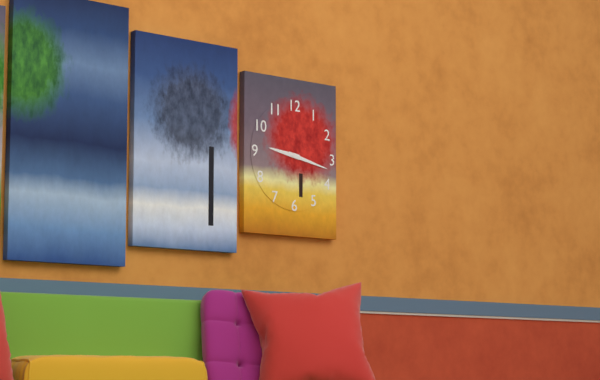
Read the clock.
9:17
